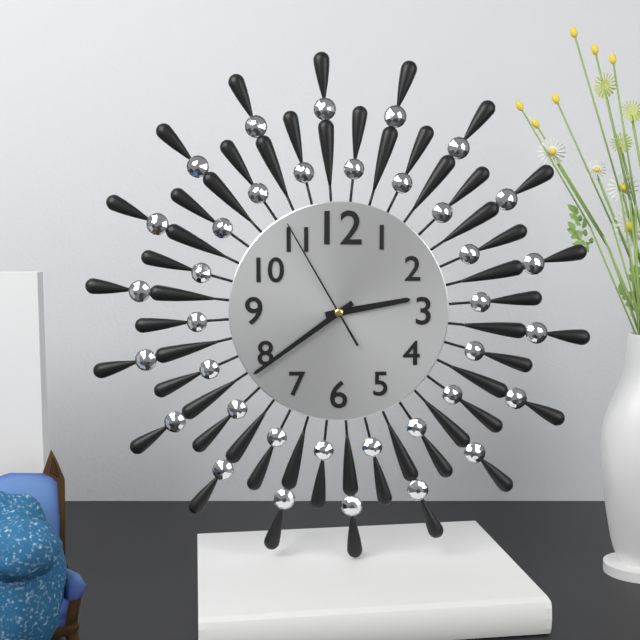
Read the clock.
2:39:55
